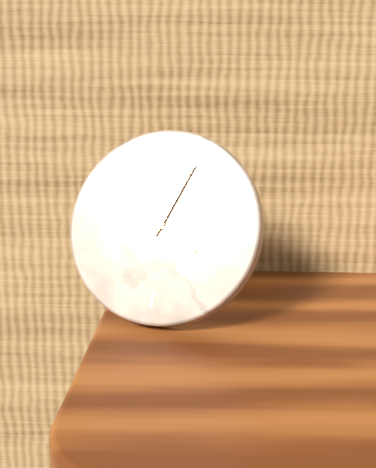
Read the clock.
4:04
